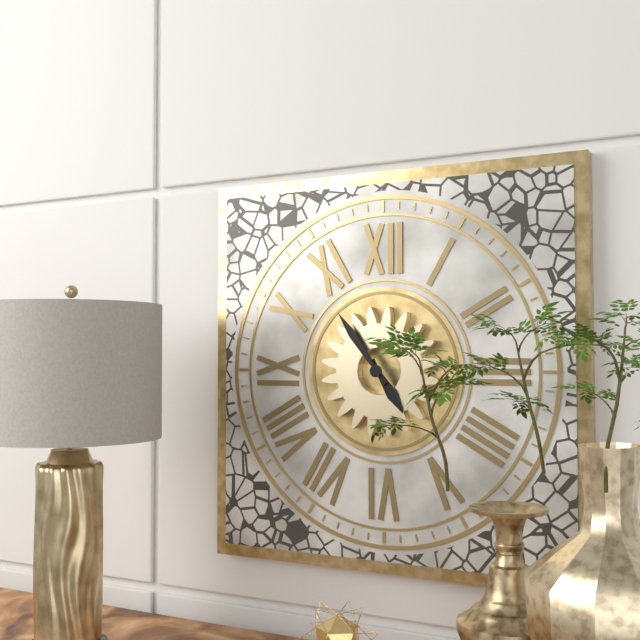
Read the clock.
4:54
